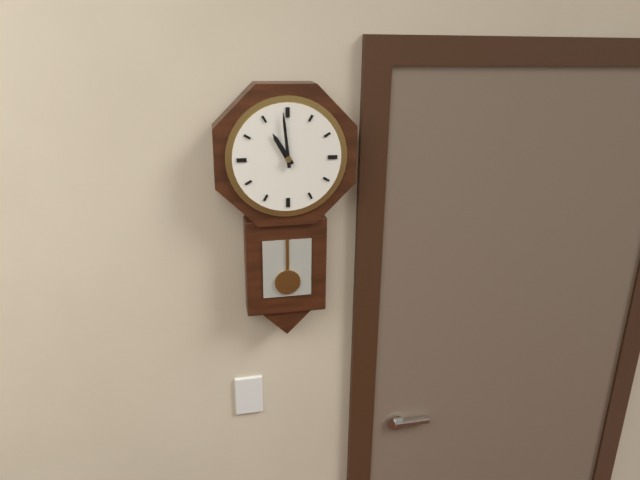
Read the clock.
10:59
